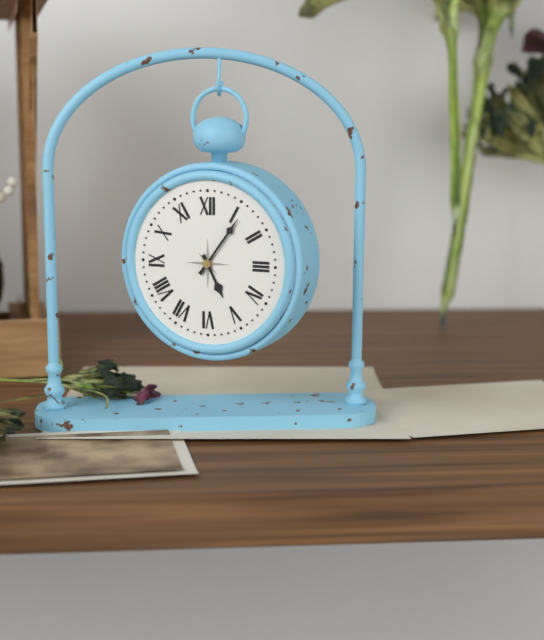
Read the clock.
5:06
